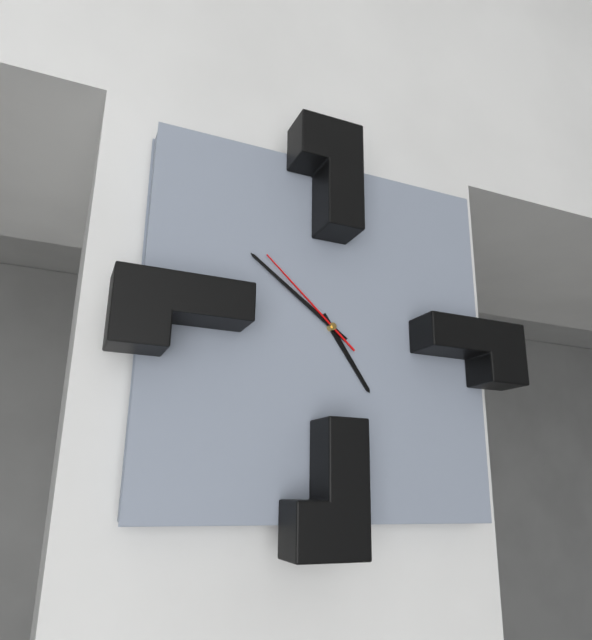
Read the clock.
4:51:52
